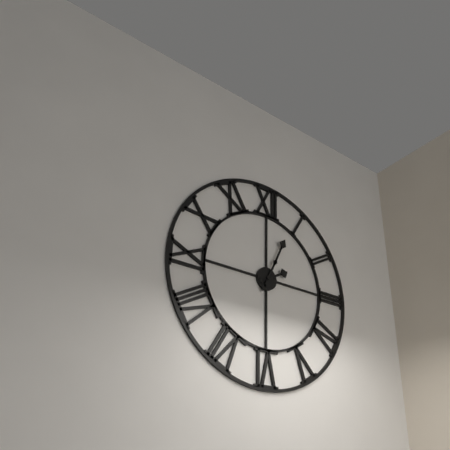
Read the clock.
2:04
